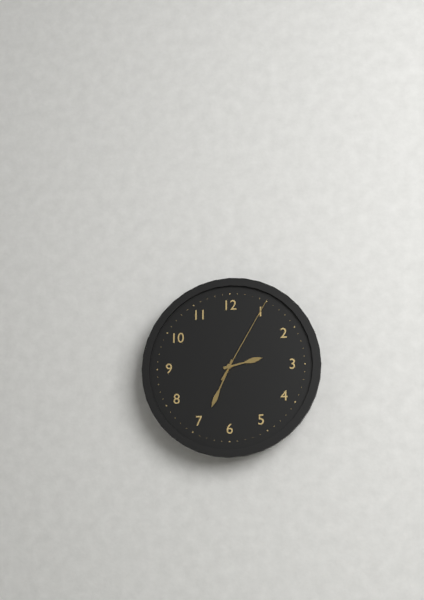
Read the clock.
2:34:05
